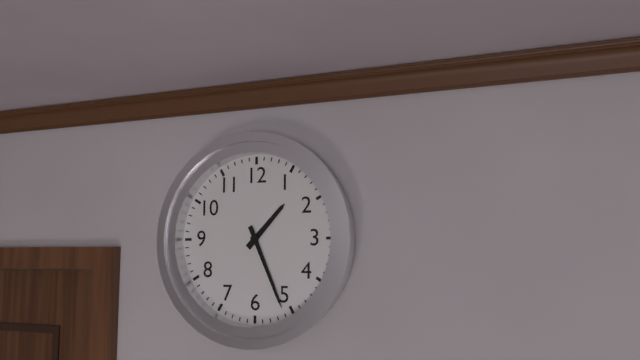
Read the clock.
1:26
